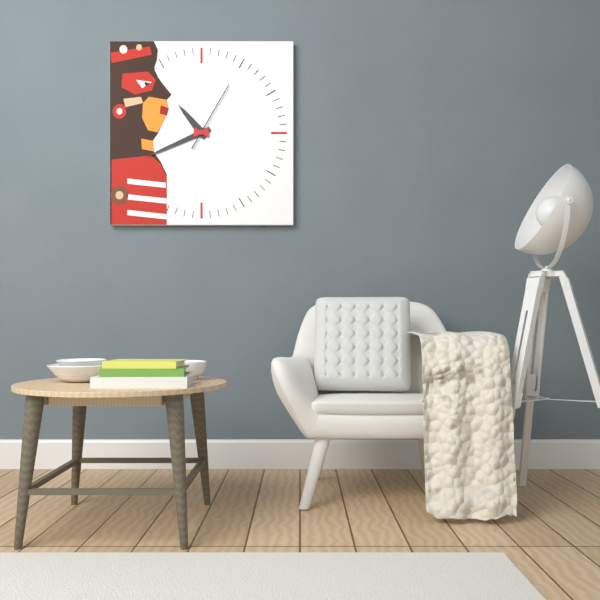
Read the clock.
10:41:05
